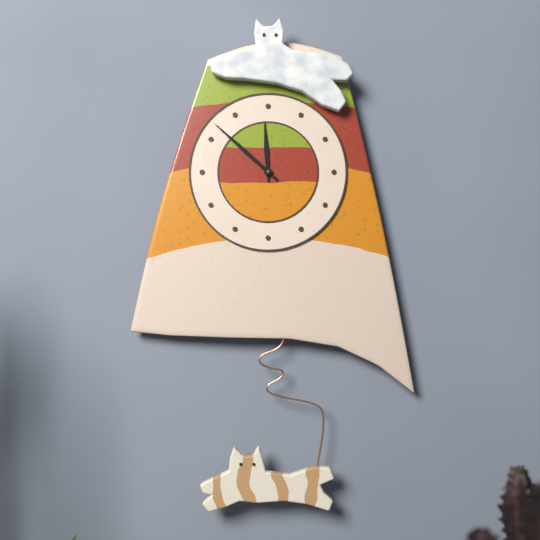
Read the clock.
11:52
